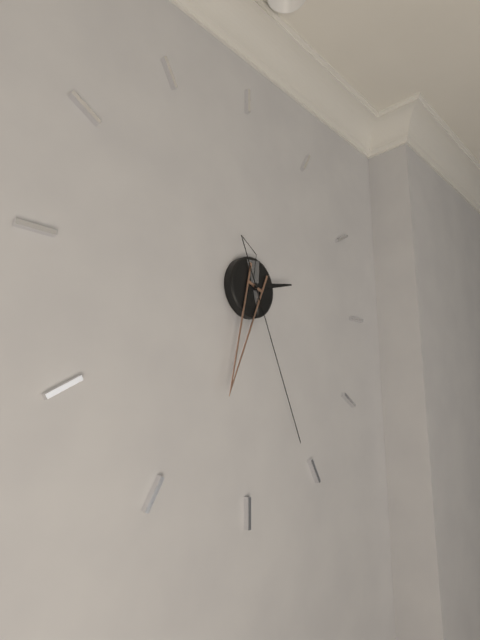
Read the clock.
2:33:26
